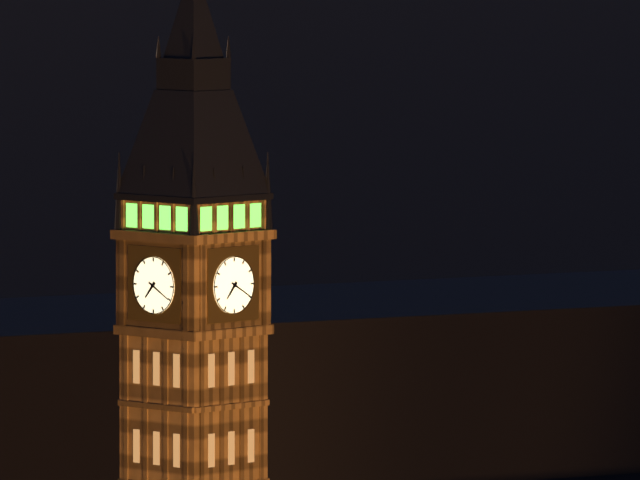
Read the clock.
7:20
